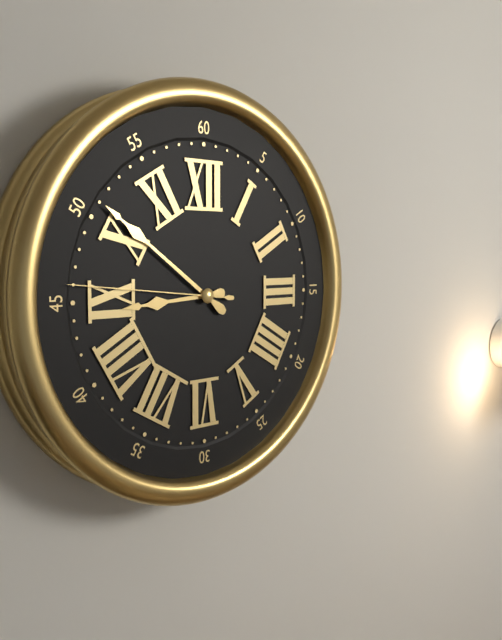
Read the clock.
8:51:46
